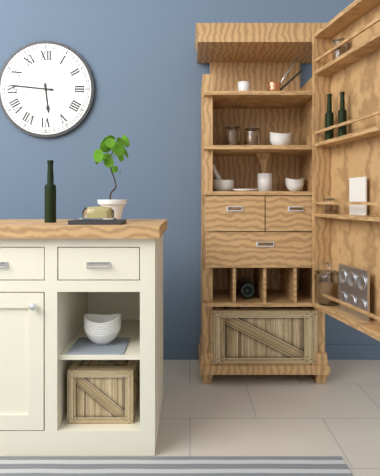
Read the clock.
5:46
